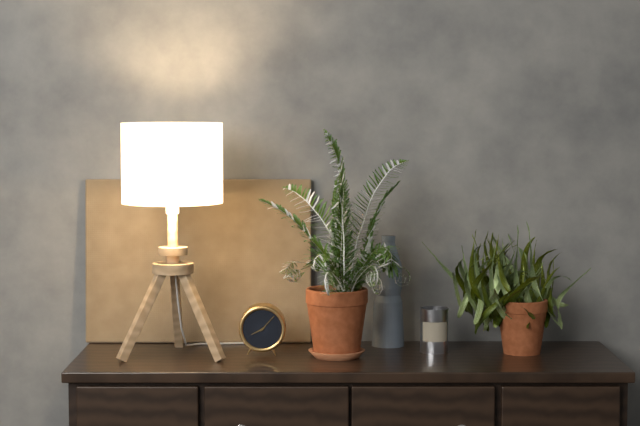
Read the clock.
8:07
